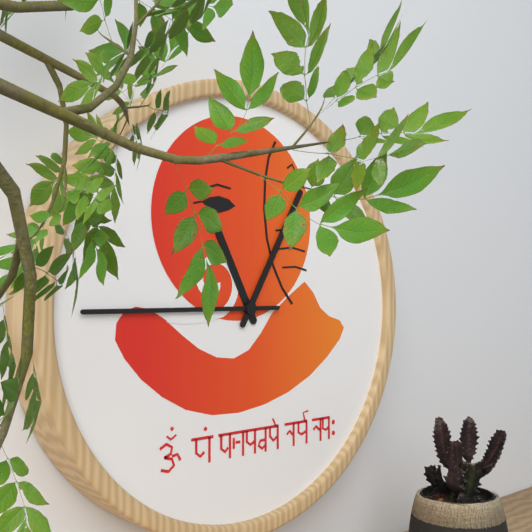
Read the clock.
11:05:45
